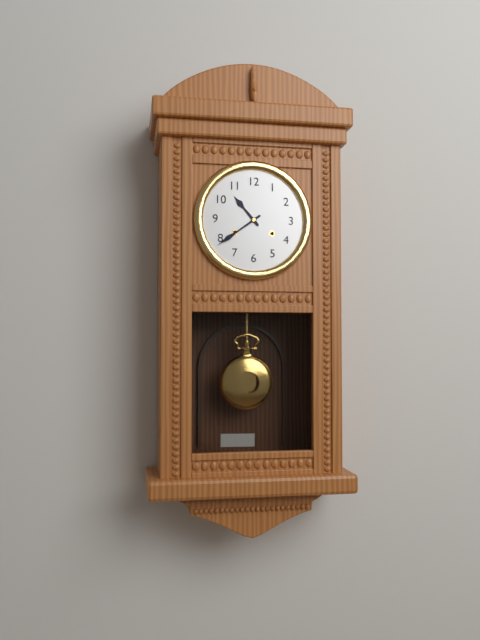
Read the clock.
10:39
